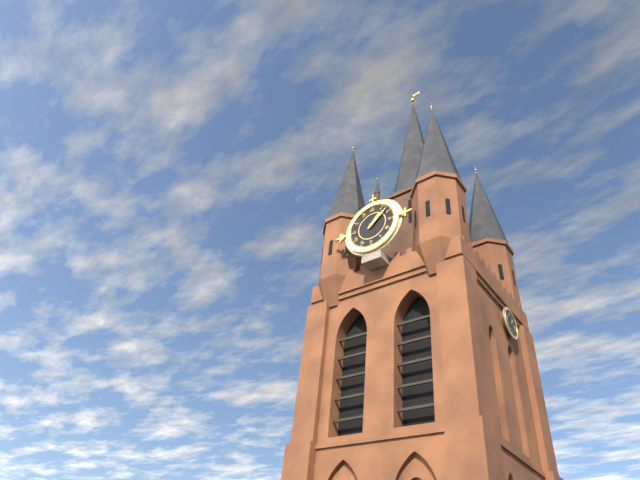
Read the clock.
1:08
